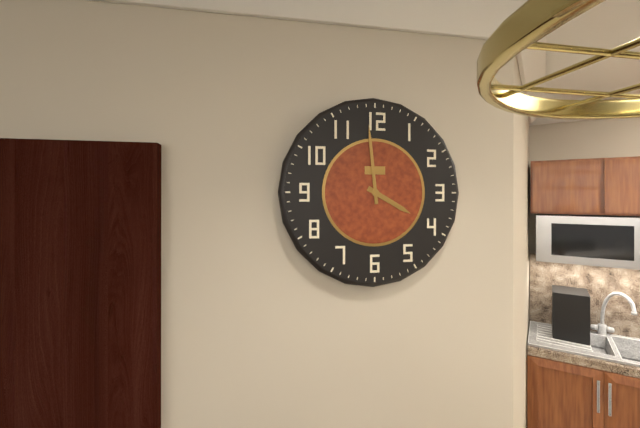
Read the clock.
3:59
